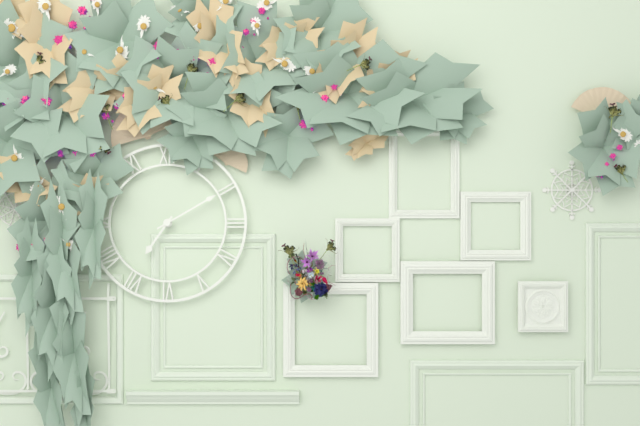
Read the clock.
7:10
